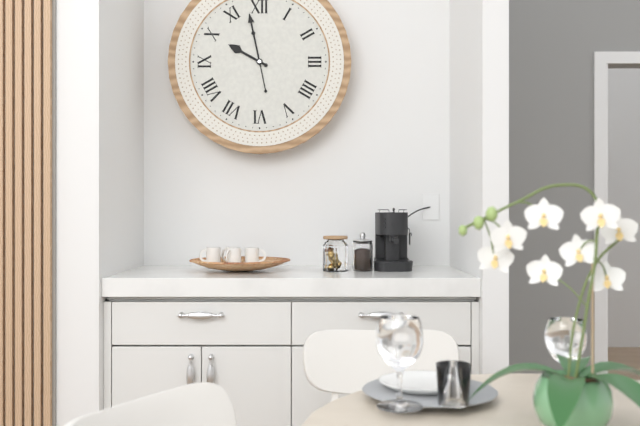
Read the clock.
9:58
